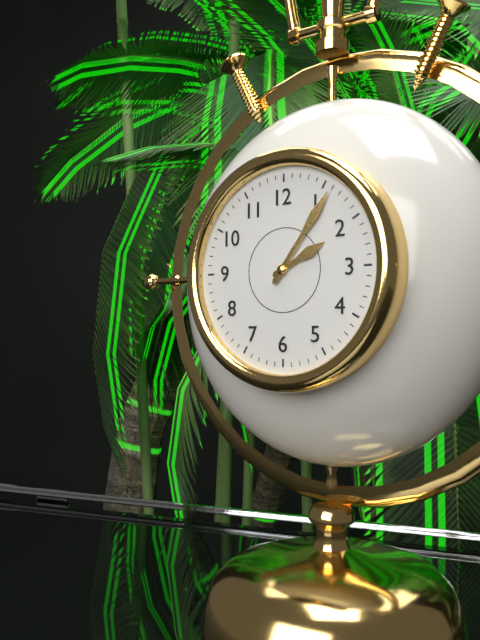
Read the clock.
2:06
